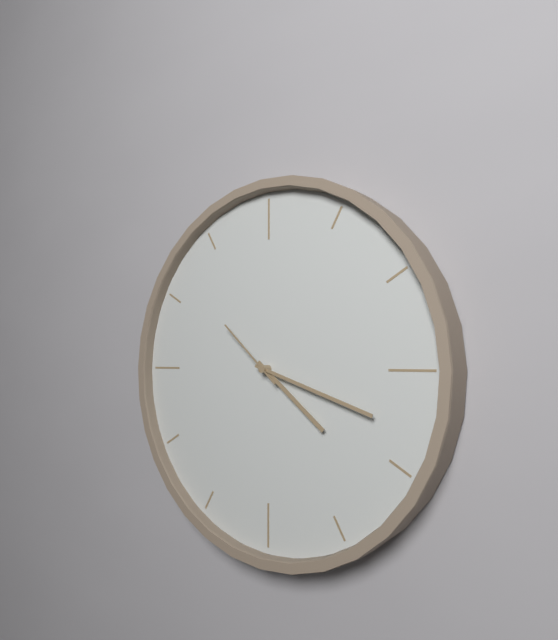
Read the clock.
4:18:52
